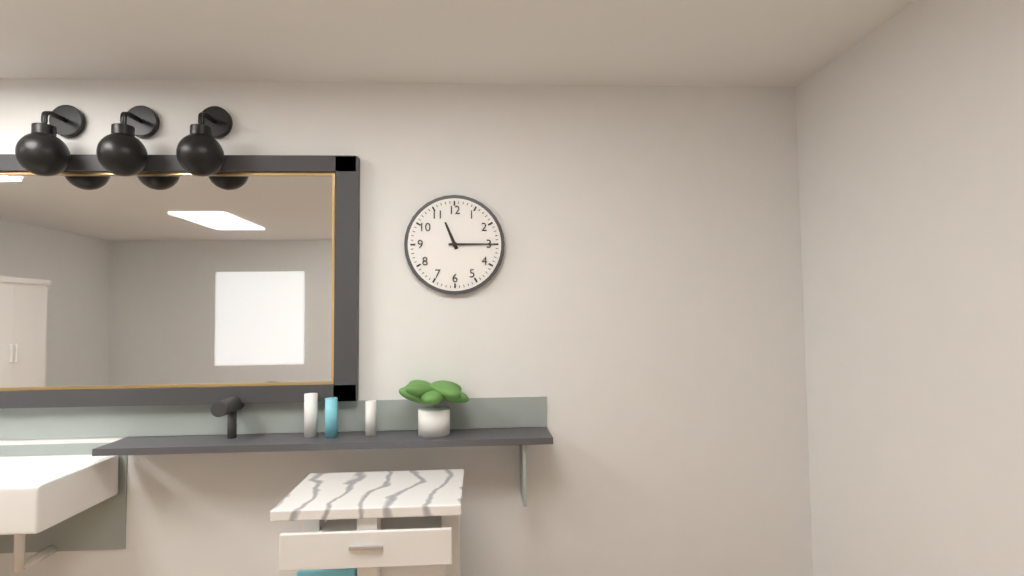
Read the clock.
11:15
